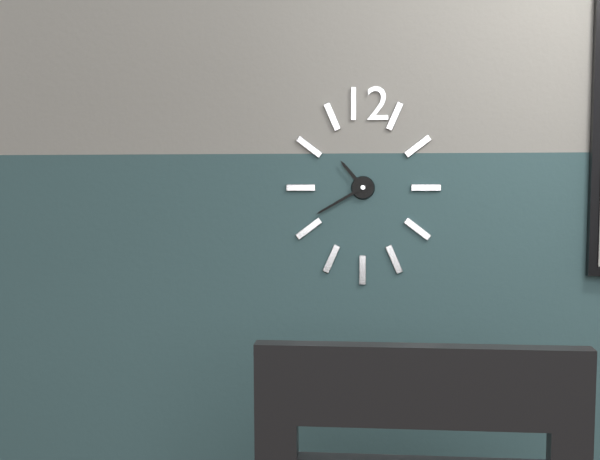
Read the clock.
10:40
